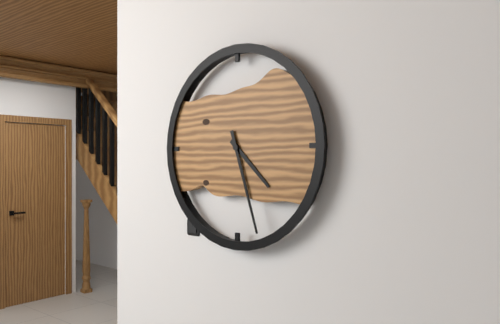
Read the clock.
4:27
